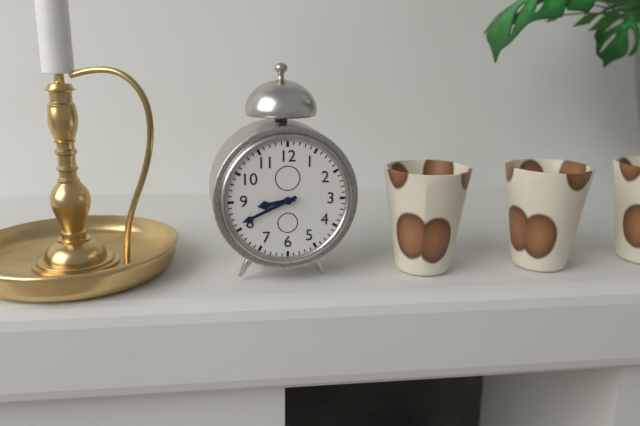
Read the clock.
8:41
